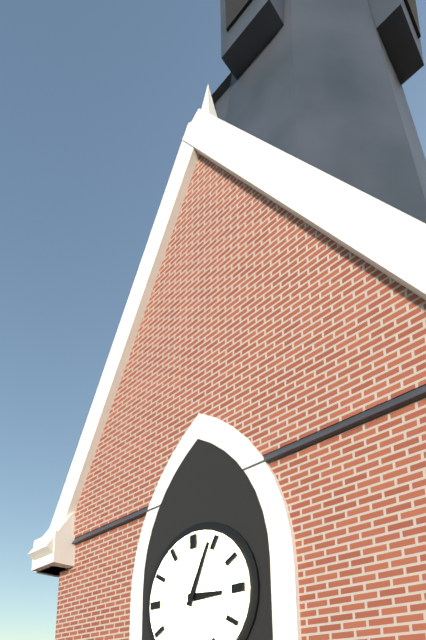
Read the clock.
3:04
